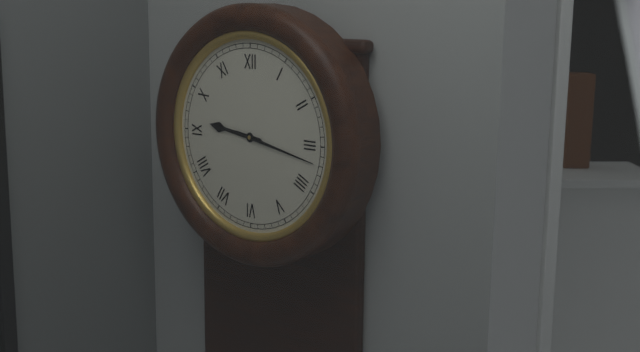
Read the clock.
9:17
